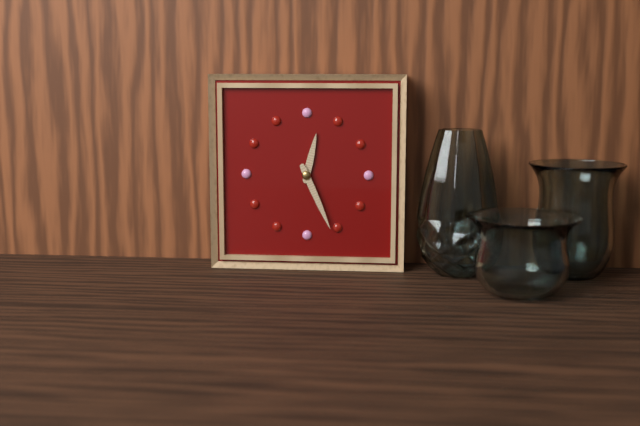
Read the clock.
12:26
